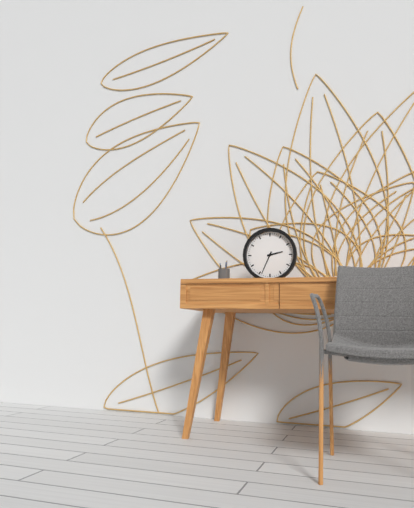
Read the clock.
2:34
